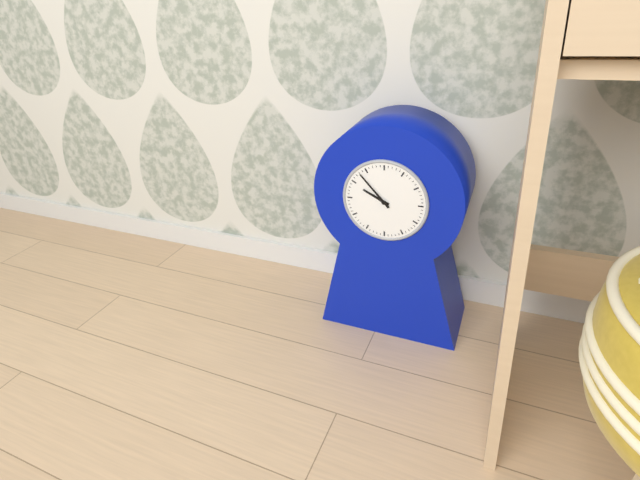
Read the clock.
9:53
